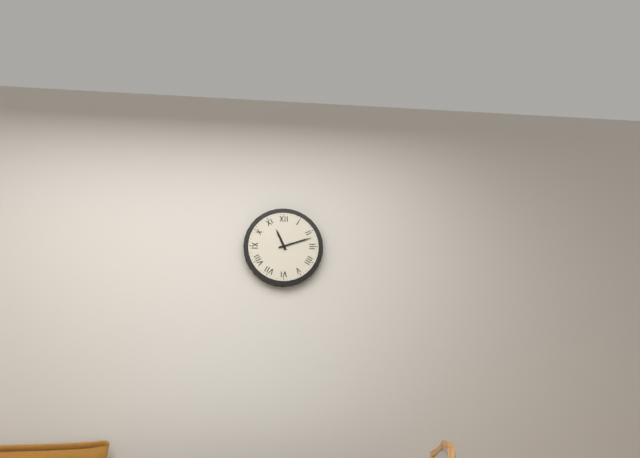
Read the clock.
11:12
